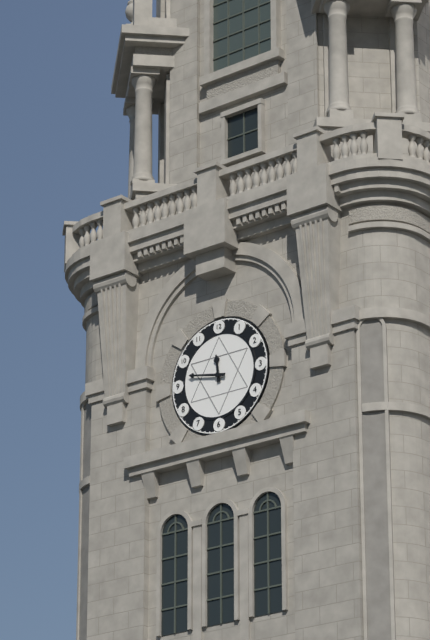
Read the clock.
11:47
